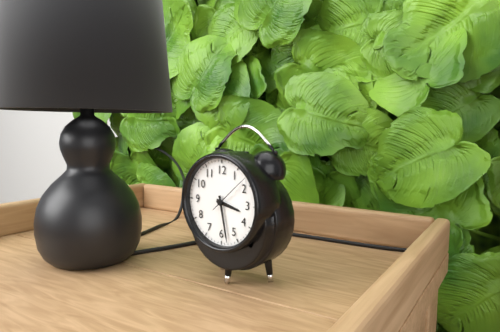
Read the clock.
3:28
